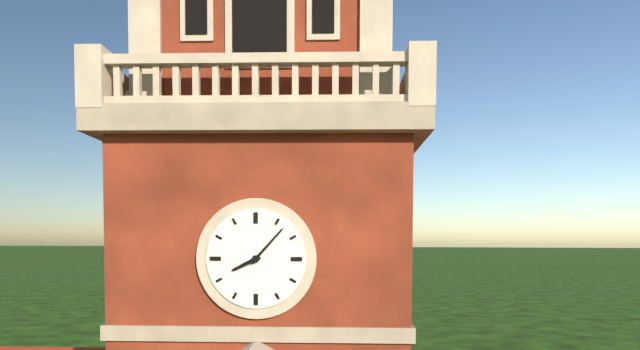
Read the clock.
8:07
